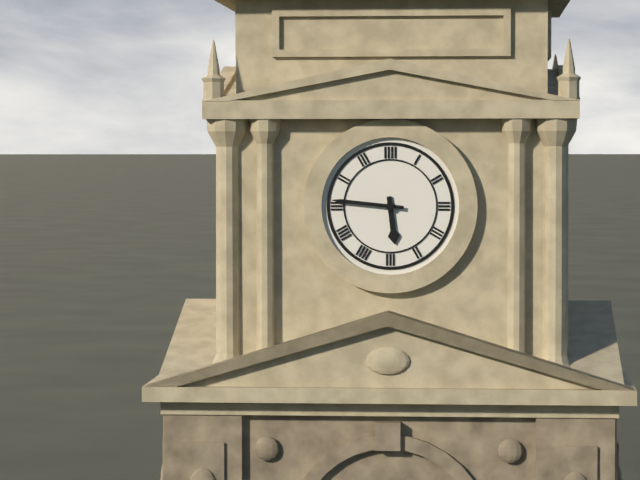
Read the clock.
5:46
